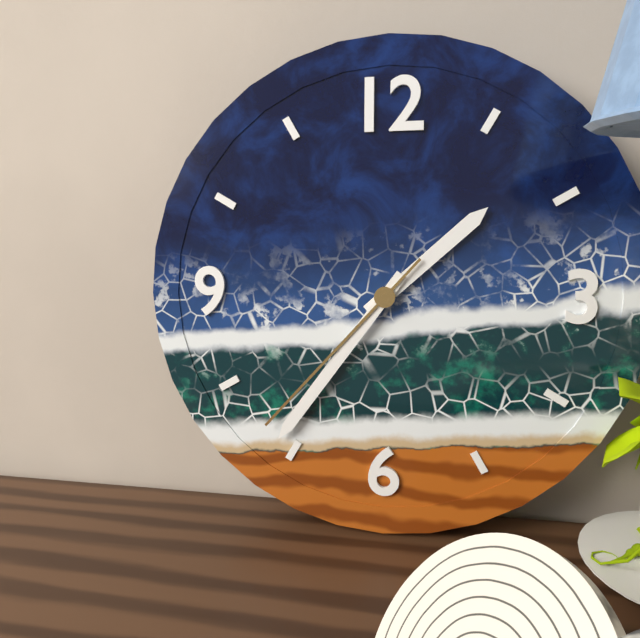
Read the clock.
1:36:37
